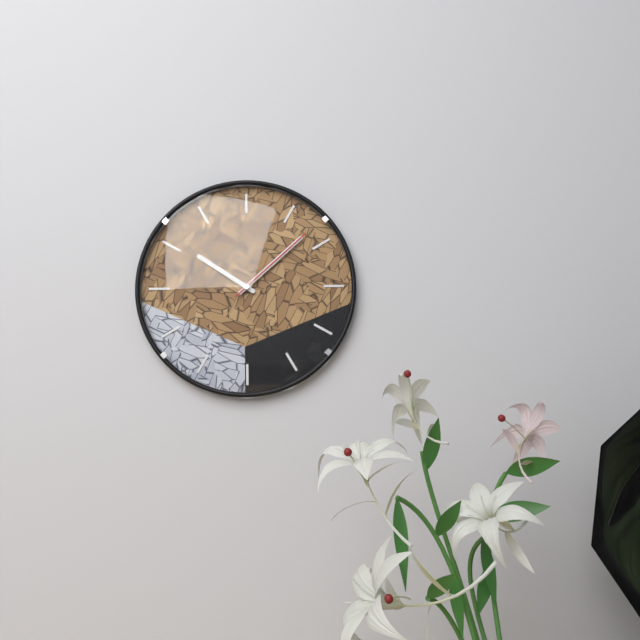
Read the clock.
10:08:08
